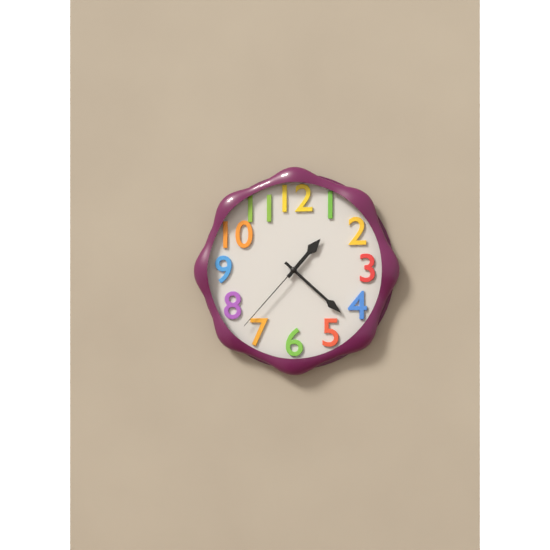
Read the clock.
1:22:37
